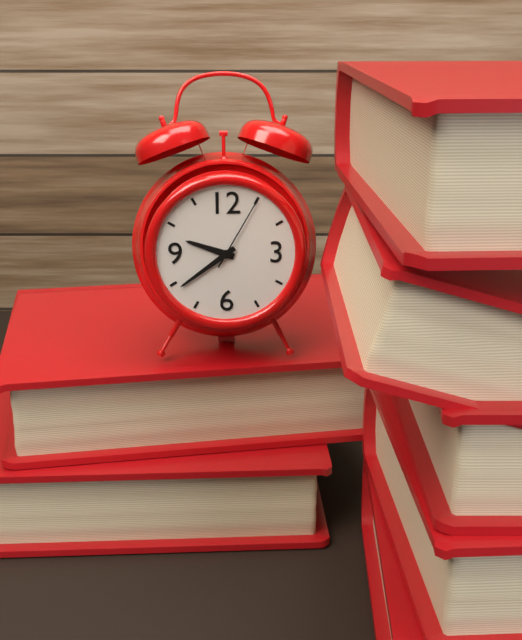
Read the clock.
9:39:05
